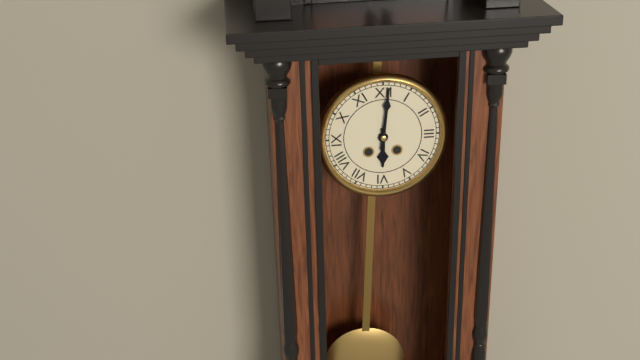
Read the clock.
6:01
